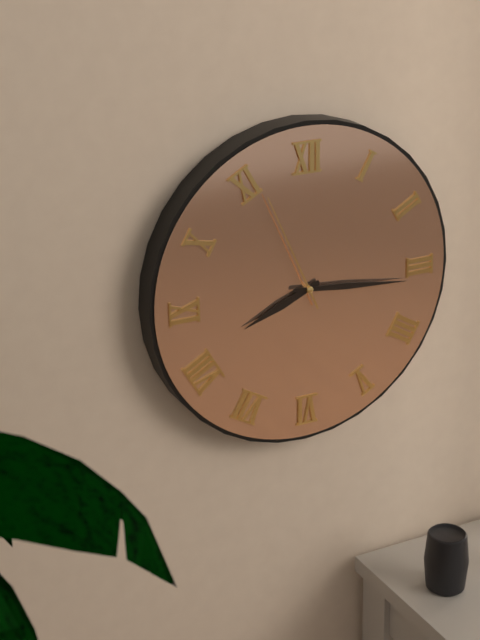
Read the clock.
8:16:56
